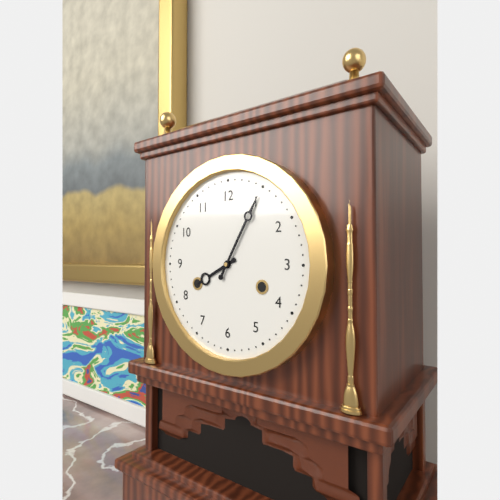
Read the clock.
8:05
